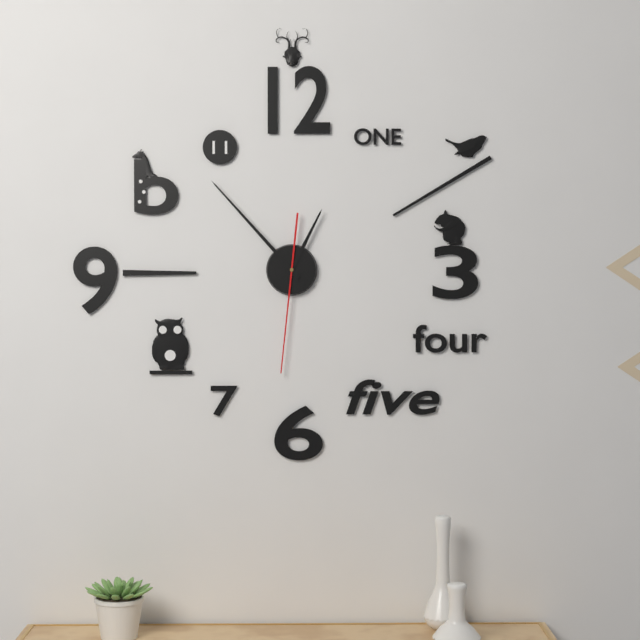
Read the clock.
12:53:31
